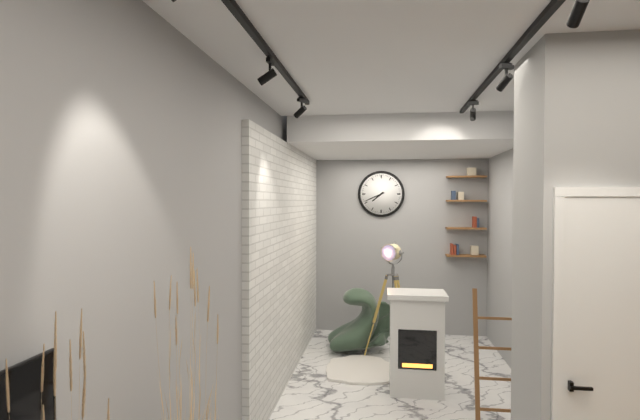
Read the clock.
7:41
